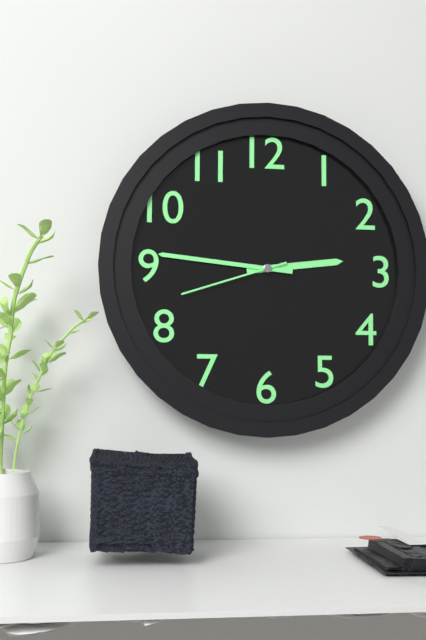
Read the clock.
2:46:42
